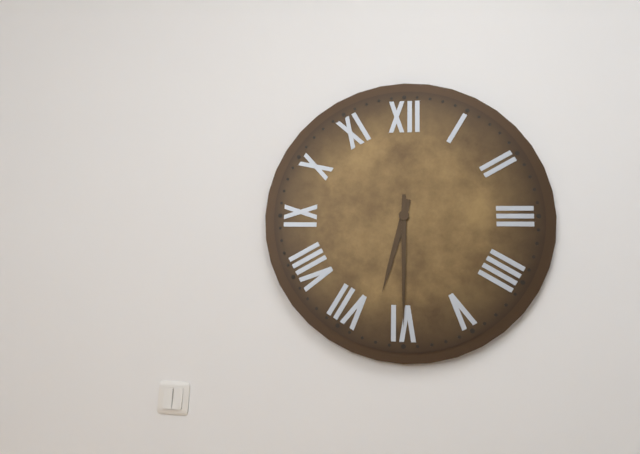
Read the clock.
6:30
